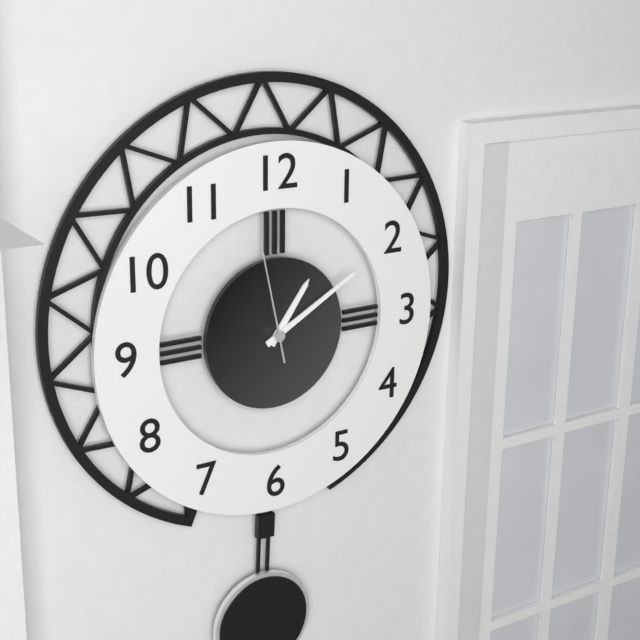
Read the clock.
1:10:58
